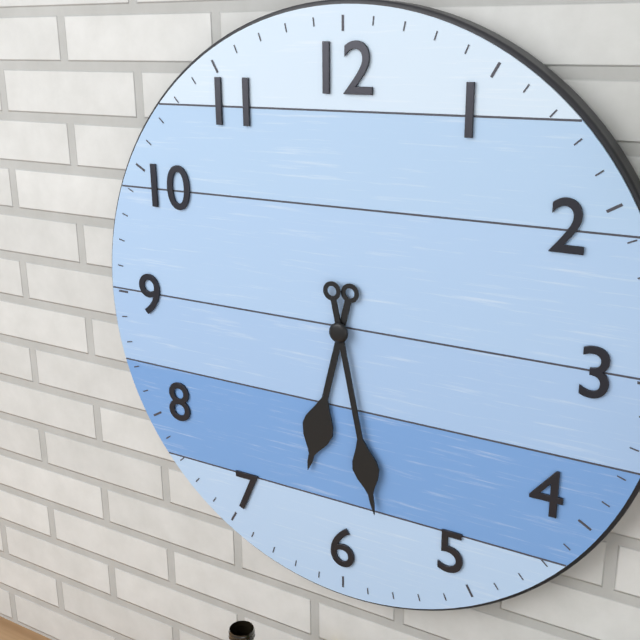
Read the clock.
6:28
